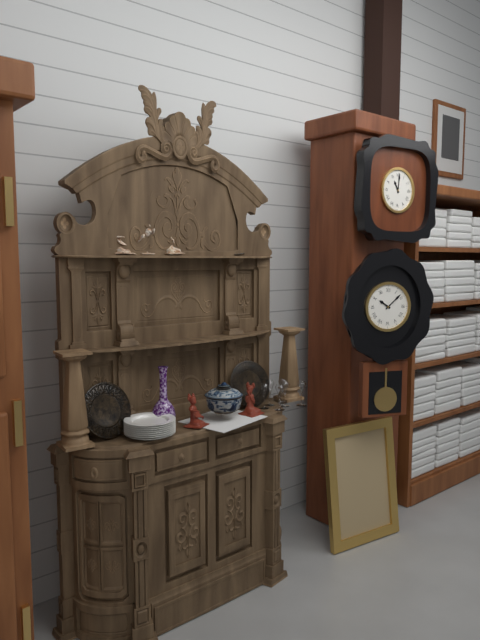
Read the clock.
11:01
